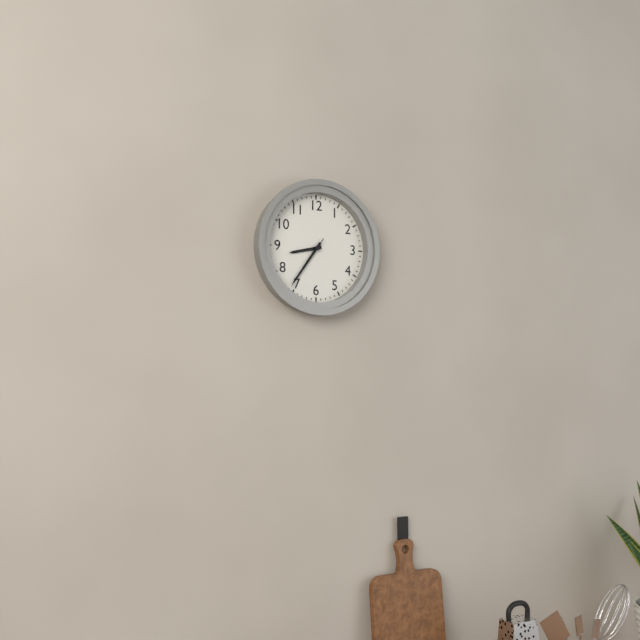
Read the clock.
8:36:36
